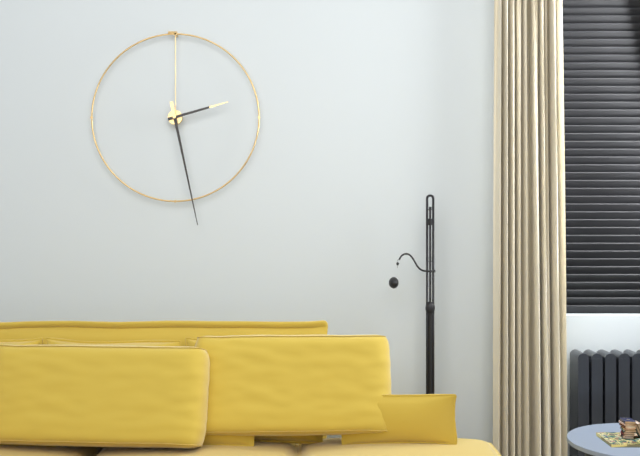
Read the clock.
2:28
